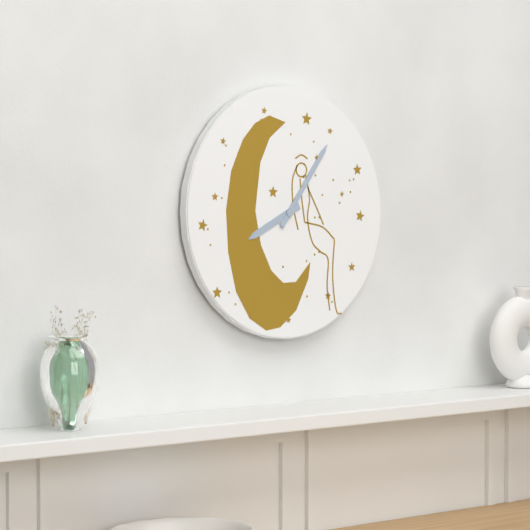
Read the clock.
8:06
